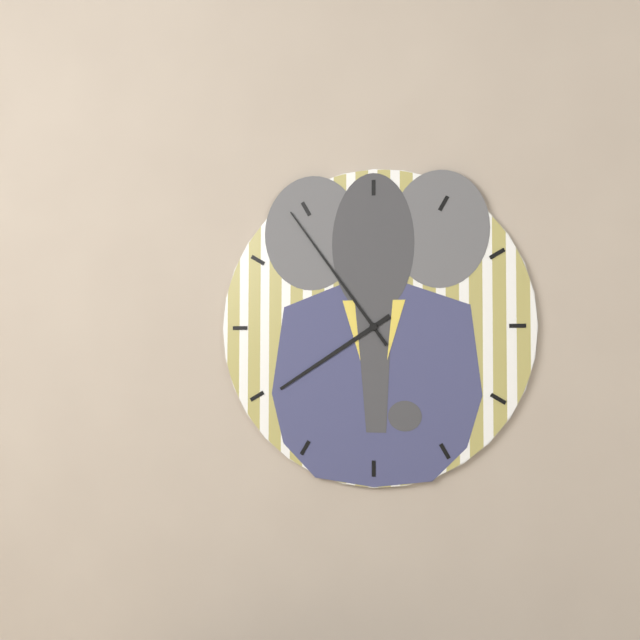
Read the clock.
7:54
